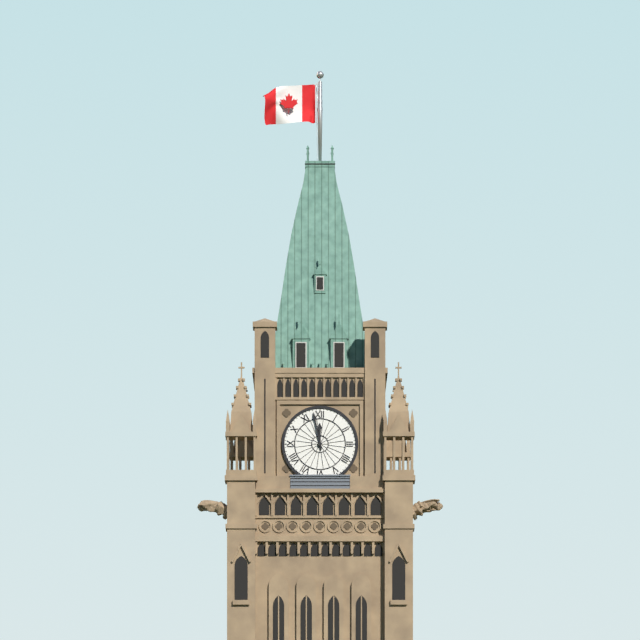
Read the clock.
11:58
